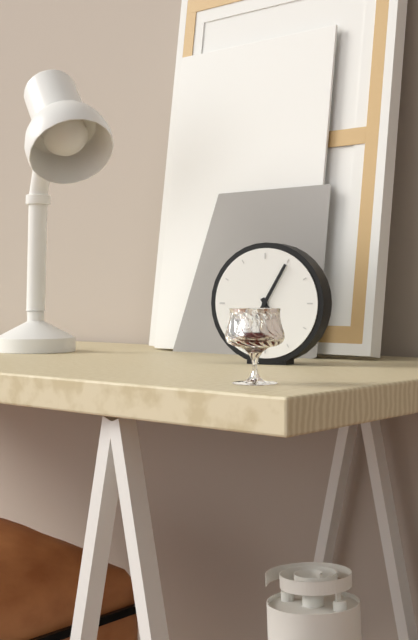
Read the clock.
5:05
